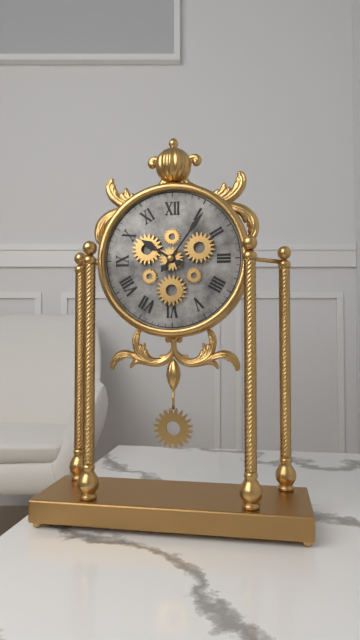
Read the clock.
10:06
